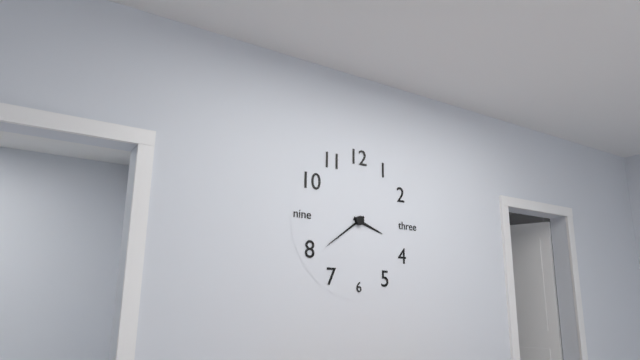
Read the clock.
3:39
